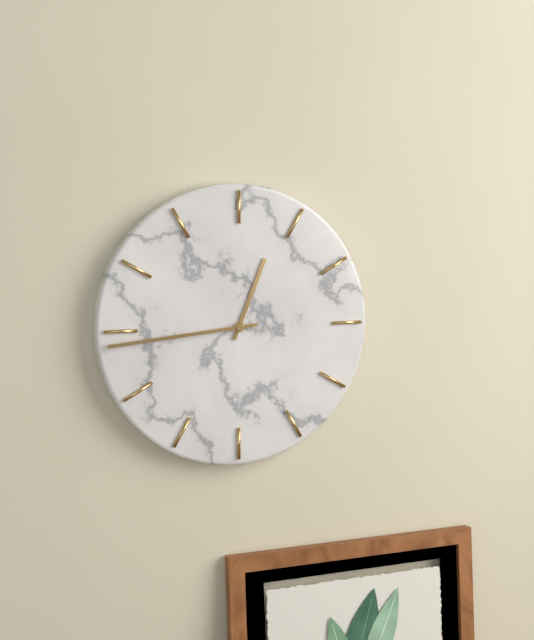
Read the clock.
12:44
